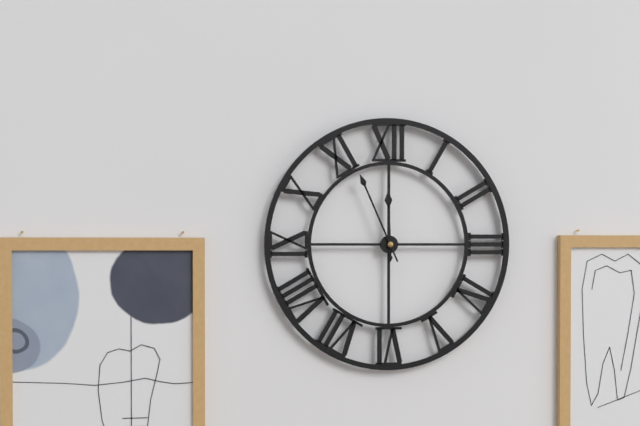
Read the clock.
11:56
